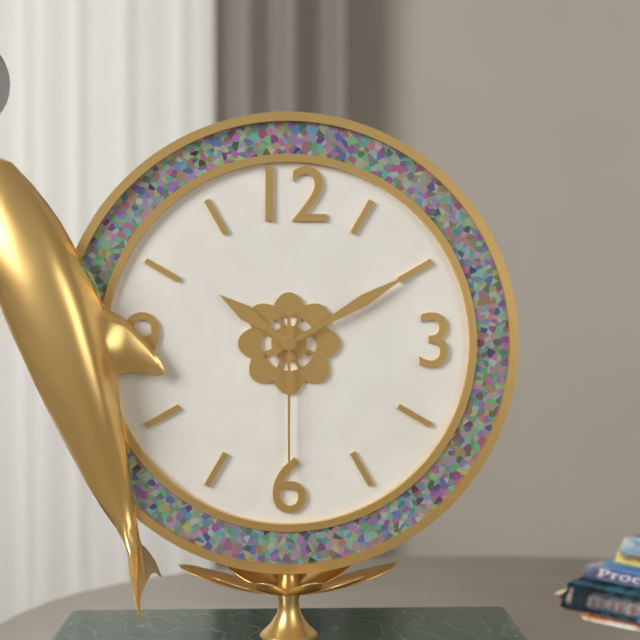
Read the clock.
10:10:30
